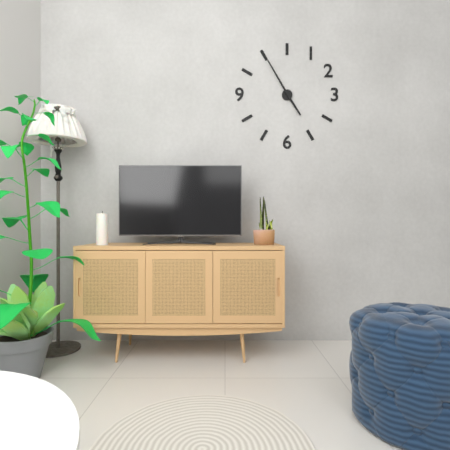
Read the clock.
4:55
